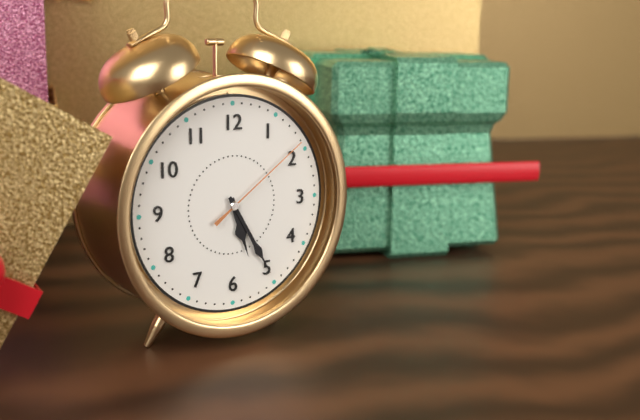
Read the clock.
5:25:09
